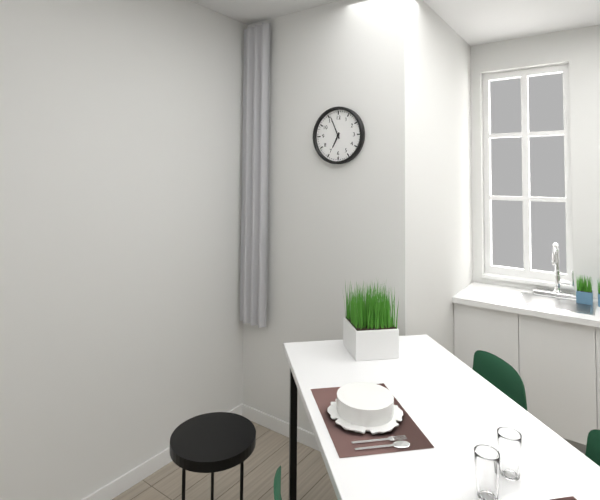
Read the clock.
6:56
